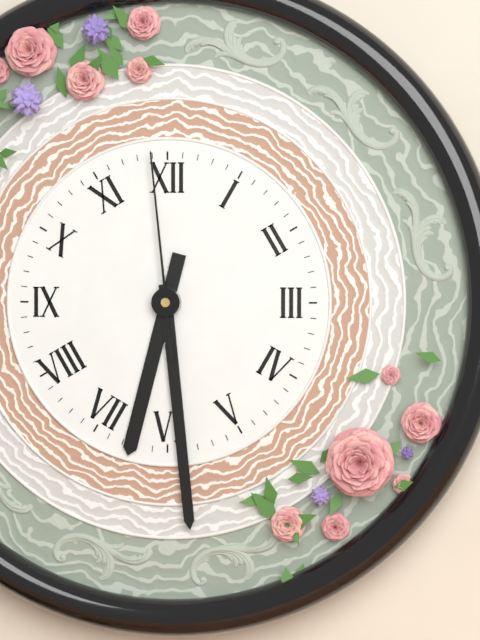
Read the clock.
6:29:59
